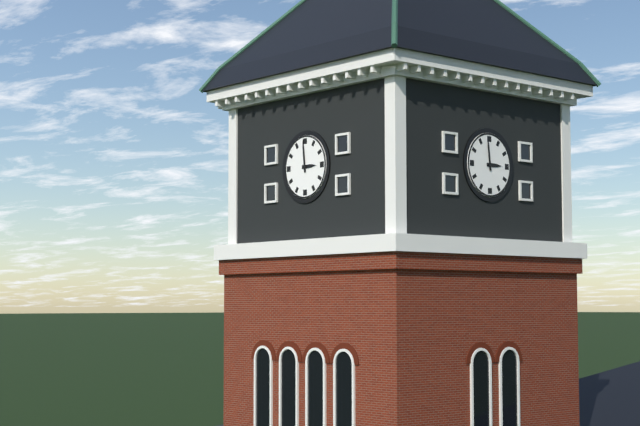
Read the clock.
2:59
